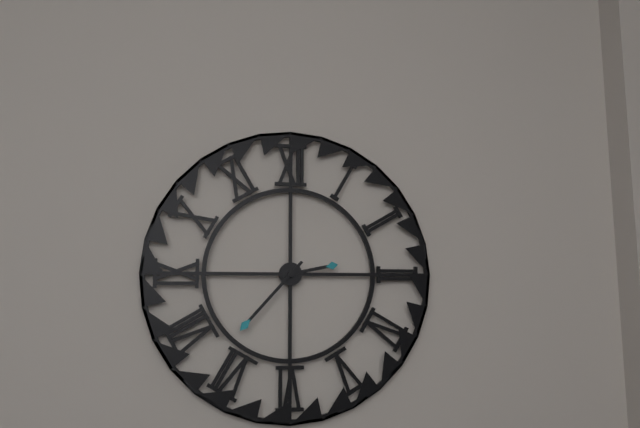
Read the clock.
2:37
